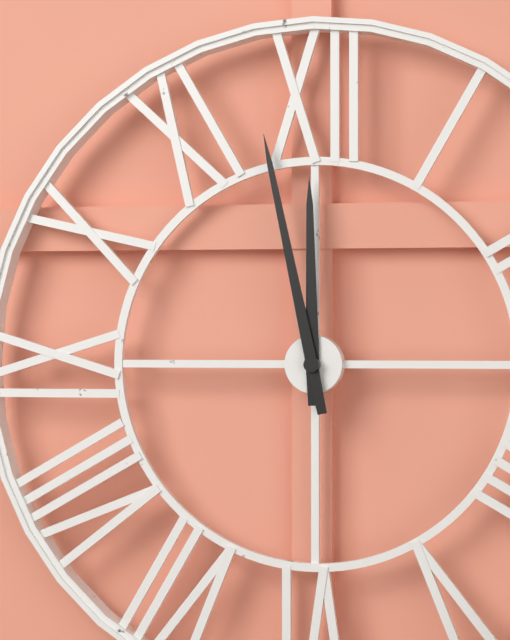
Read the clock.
11:58
